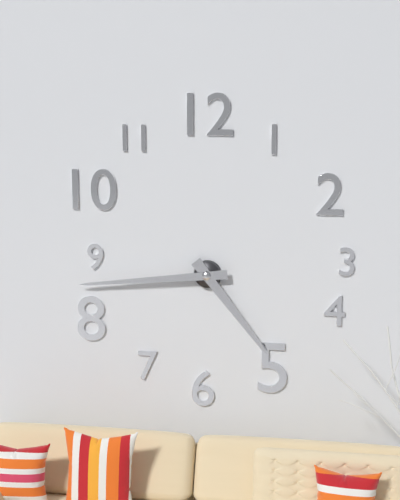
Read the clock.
4:44
